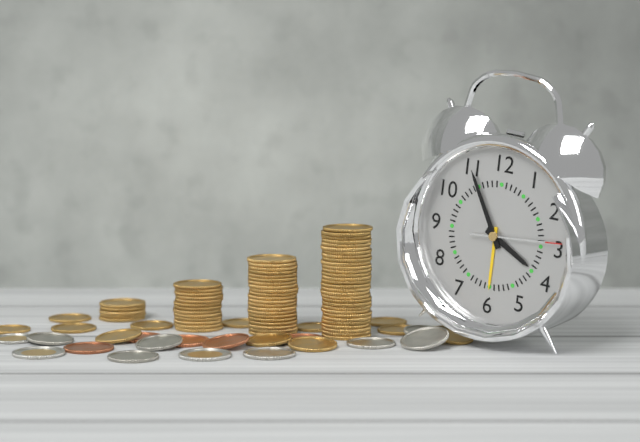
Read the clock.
3:55:14
